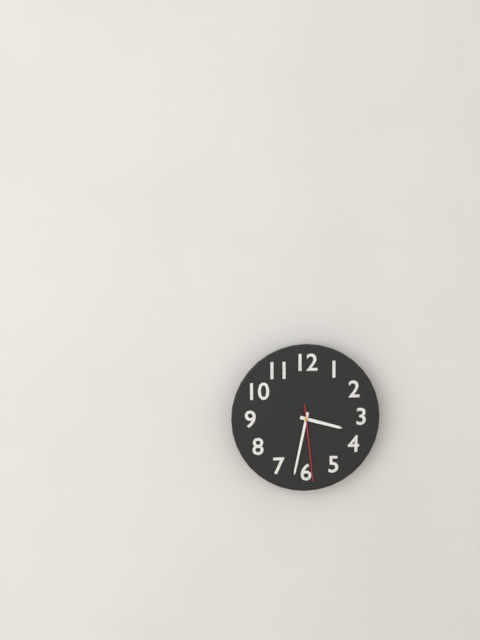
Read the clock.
3:32:29
